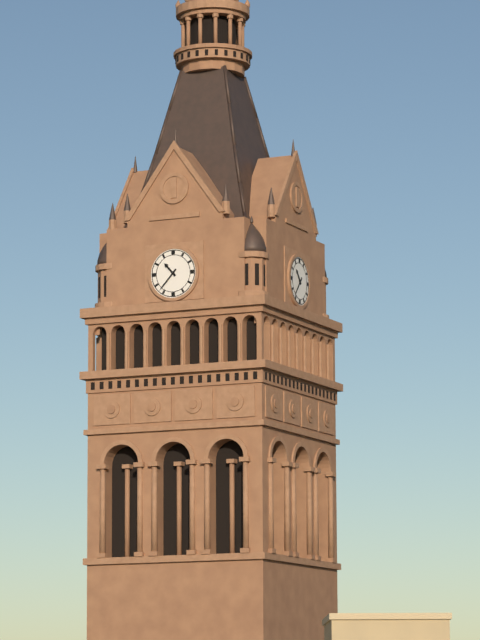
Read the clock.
10:37
